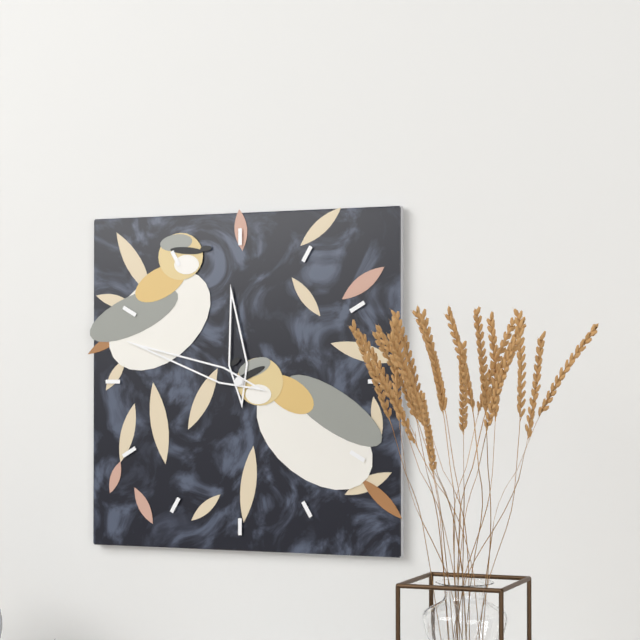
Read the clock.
11:48
